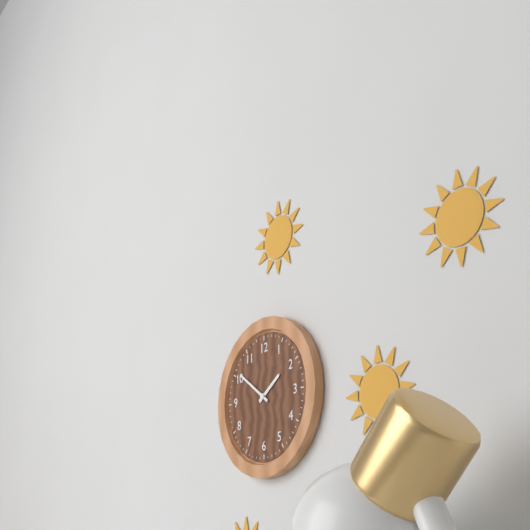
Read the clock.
1:51
